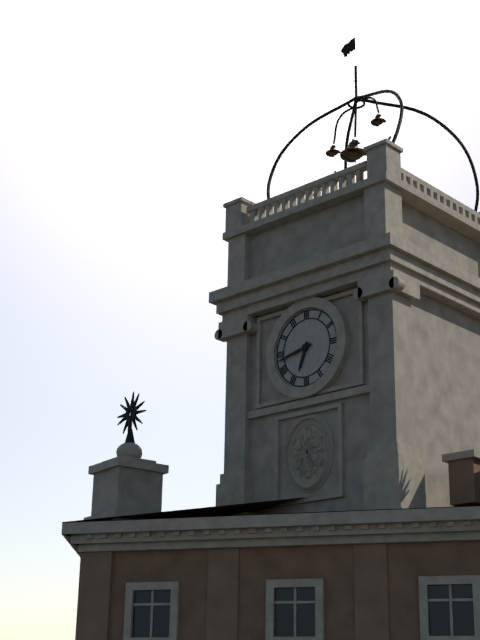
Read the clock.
6:43
